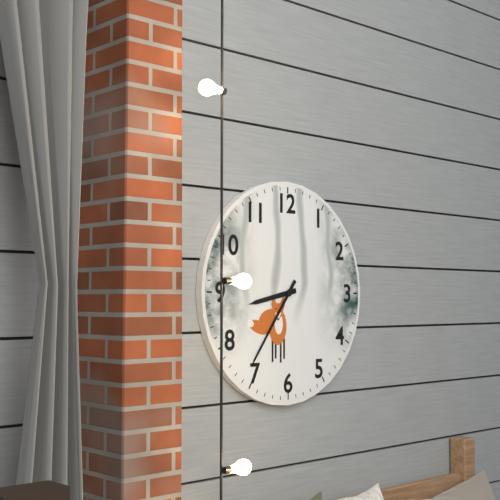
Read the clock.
8:36
